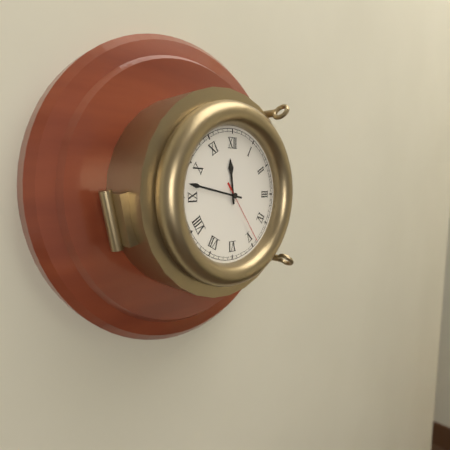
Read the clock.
11:47:24
